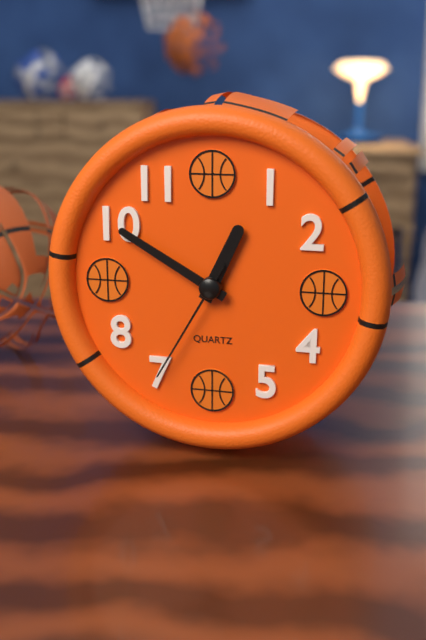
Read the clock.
12:50:35
